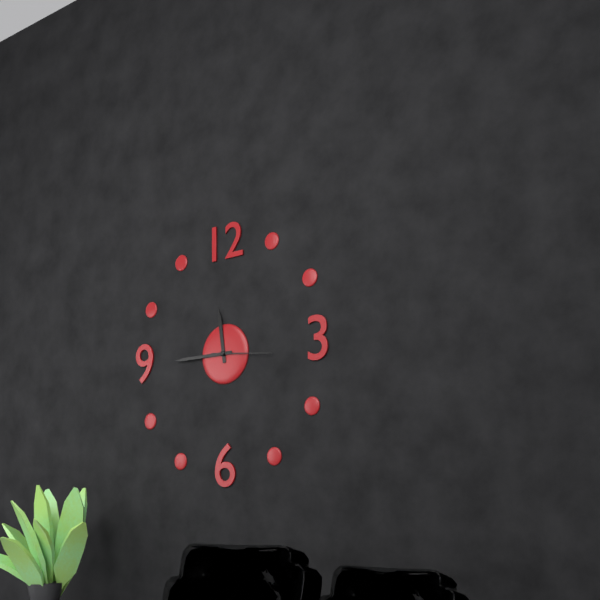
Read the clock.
11:45:16
